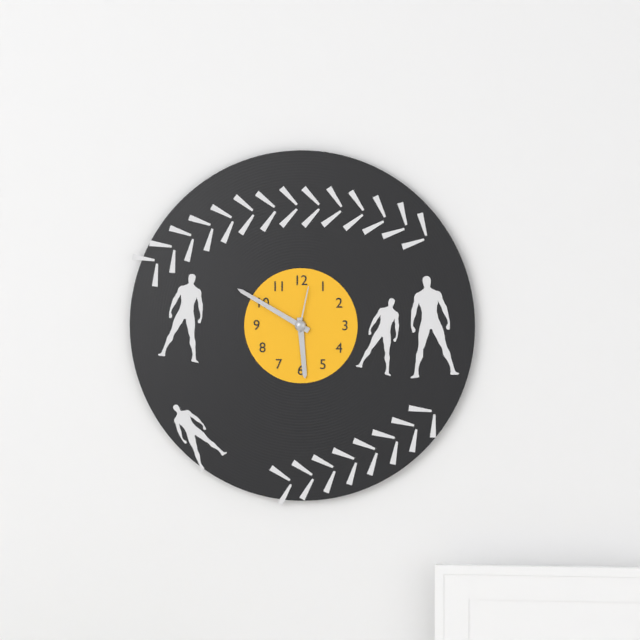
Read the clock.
5:50:02
